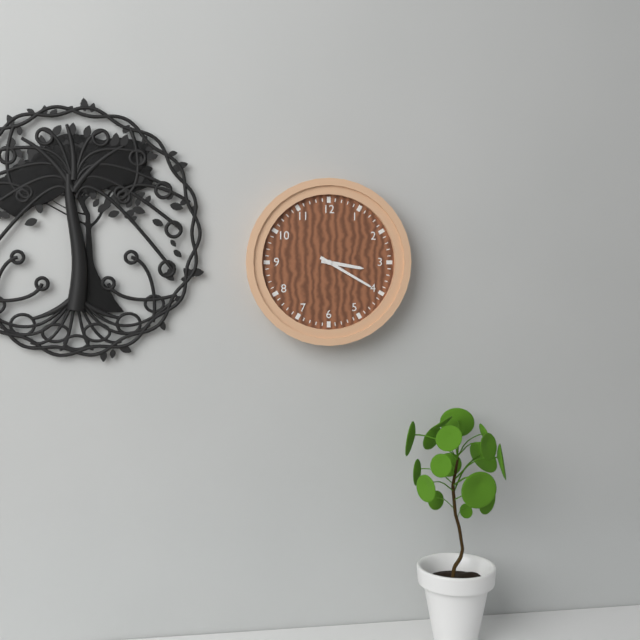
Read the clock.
3:20
